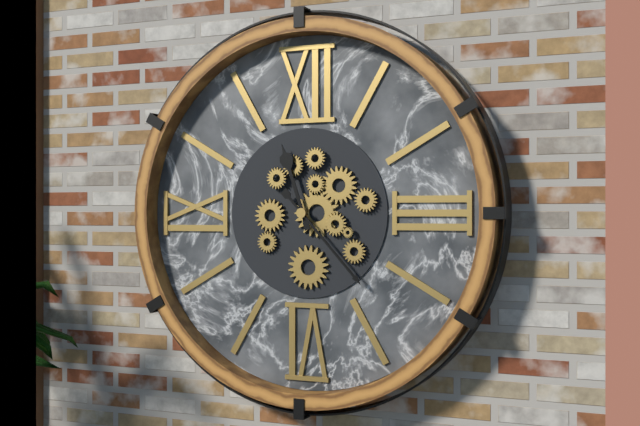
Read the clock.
11:23
